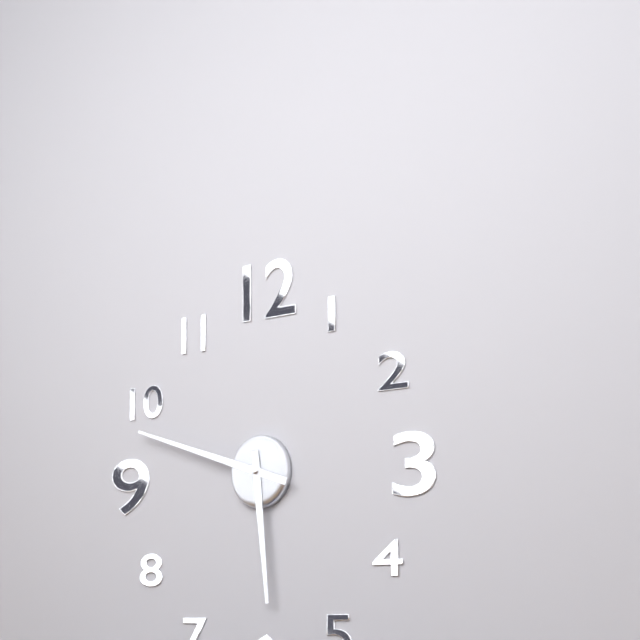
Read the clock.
5:48
